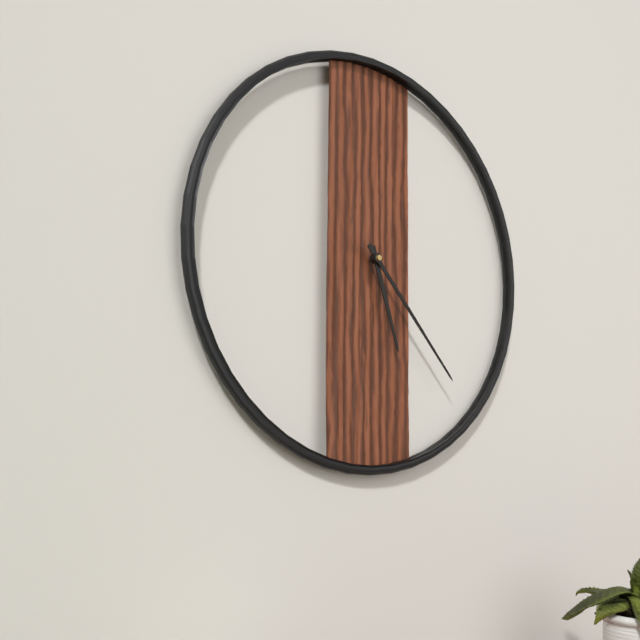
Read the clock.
5:23
